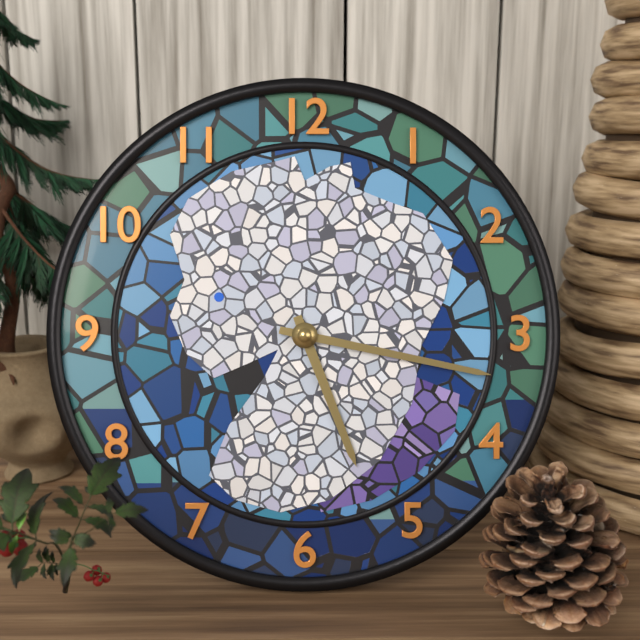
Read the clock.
5:17
